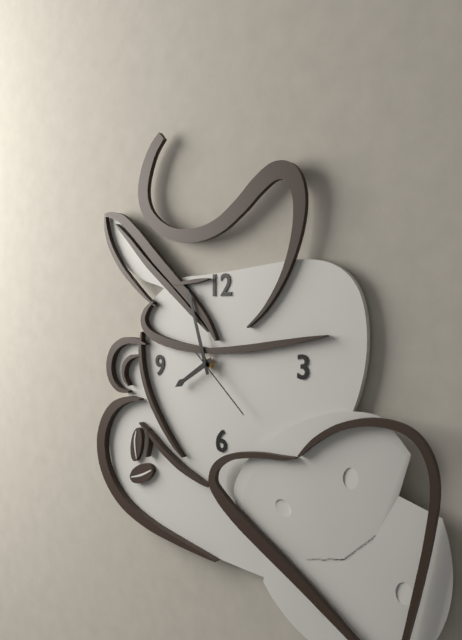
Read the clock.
7:57:22
